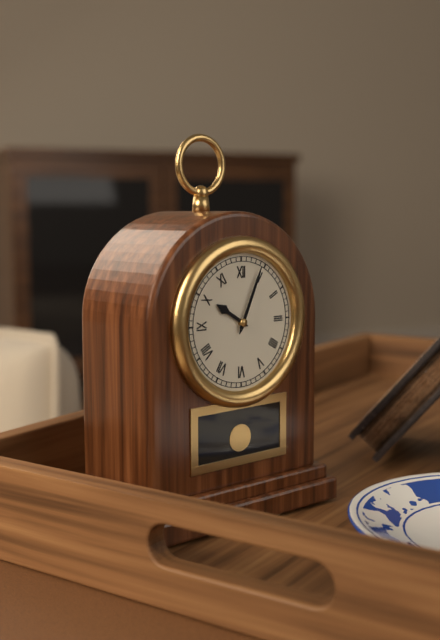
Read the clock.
10:04
